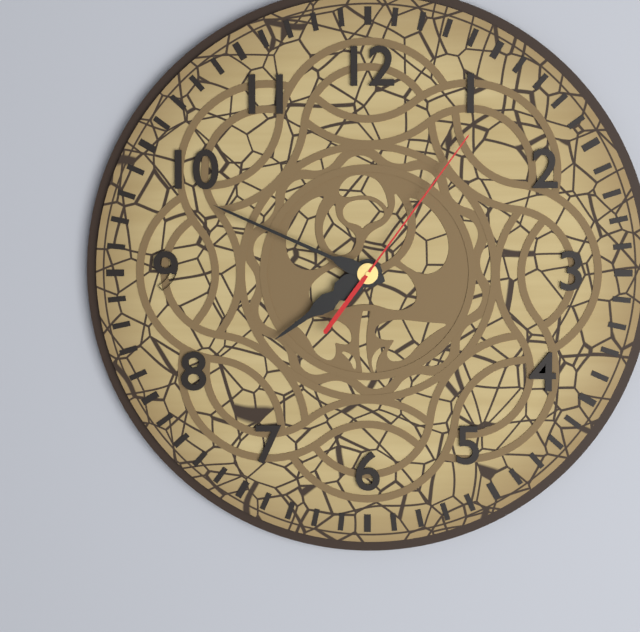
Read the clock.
7:49:06
